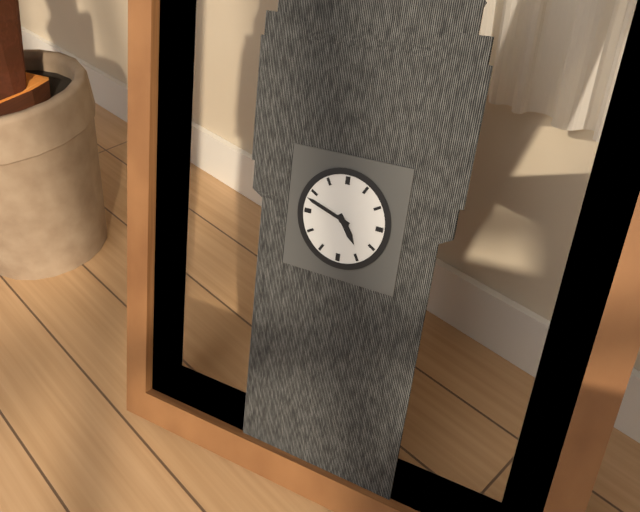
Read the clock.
4:48
